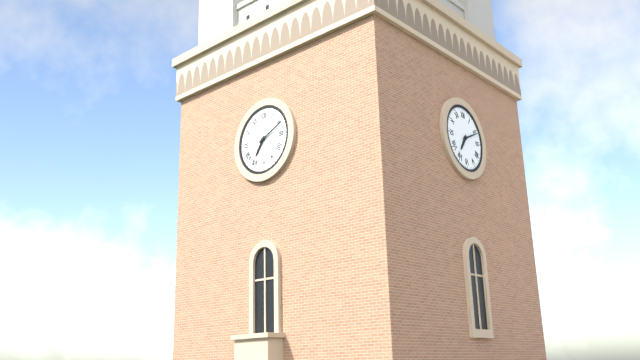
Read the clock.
7:11
